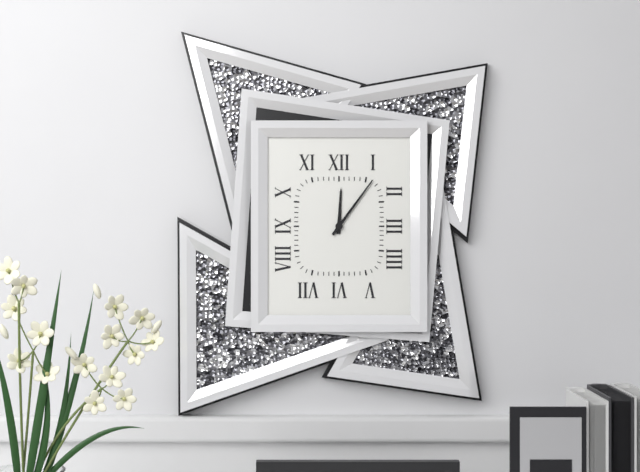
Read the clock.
12:06
